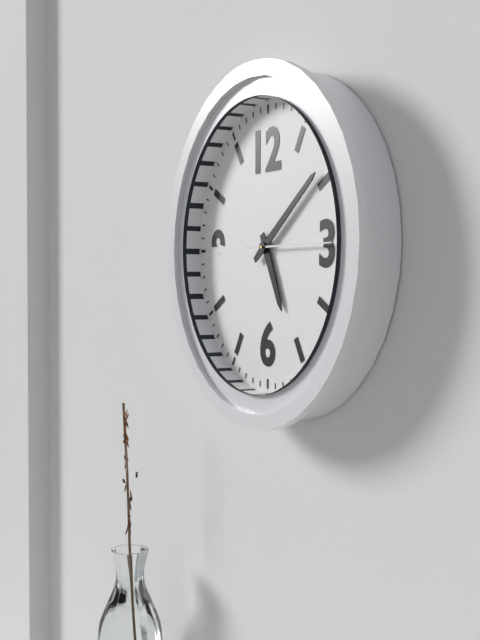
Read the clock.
5:09:15
